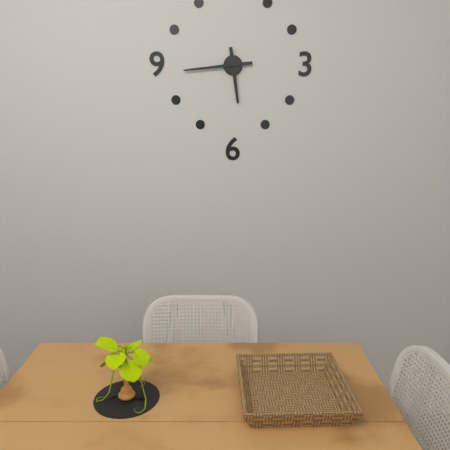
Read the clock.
5:44
